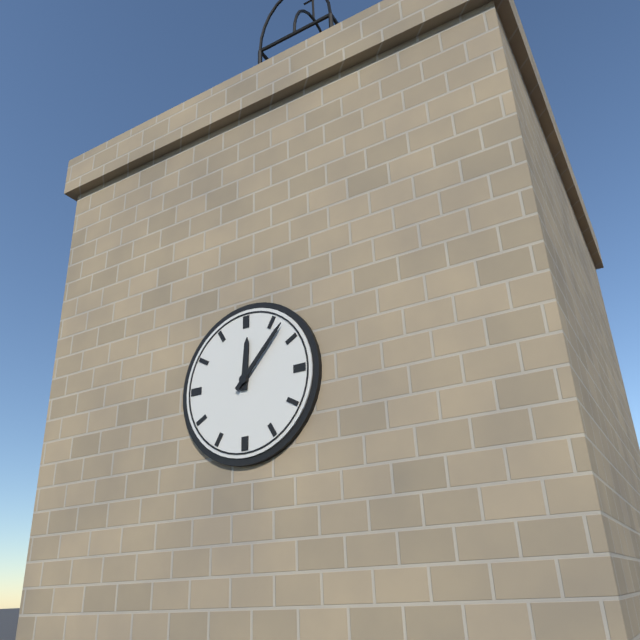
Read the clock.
12:07
